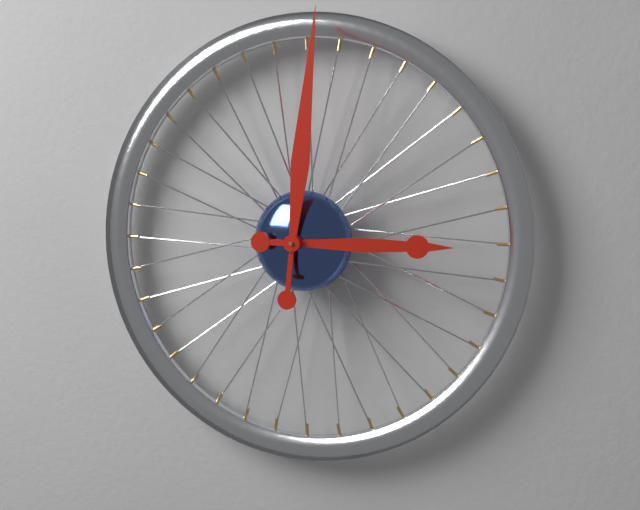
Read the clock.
3:01
